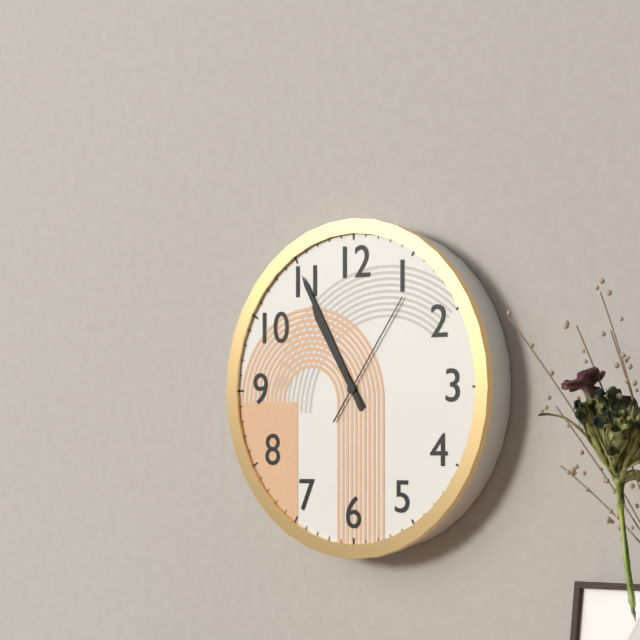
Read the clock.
10:55:06
